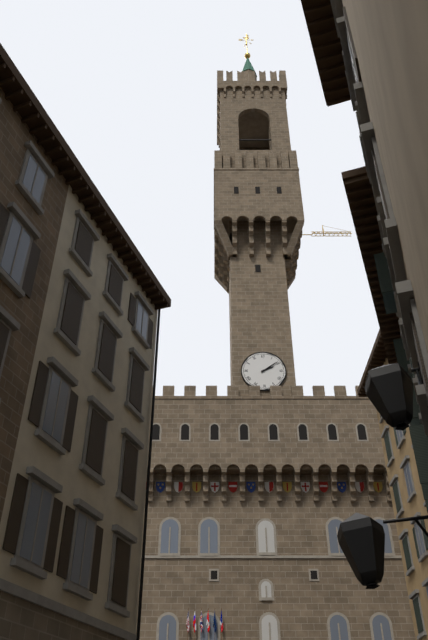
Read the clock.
2:09
